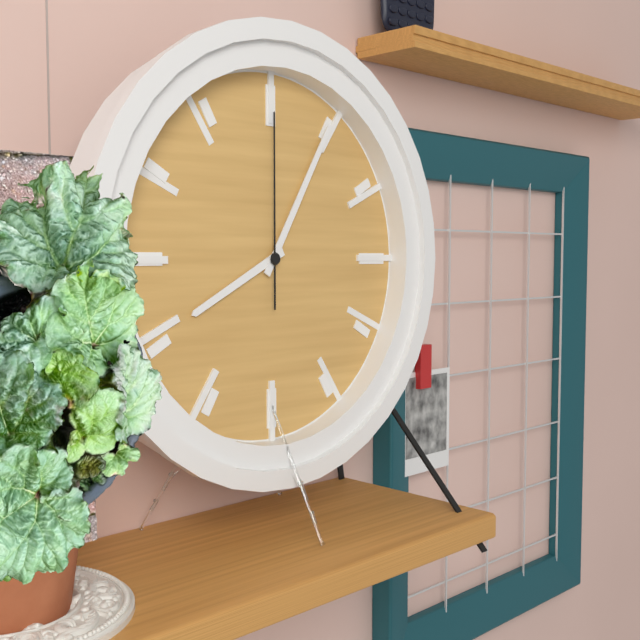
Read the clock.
8:05:00
